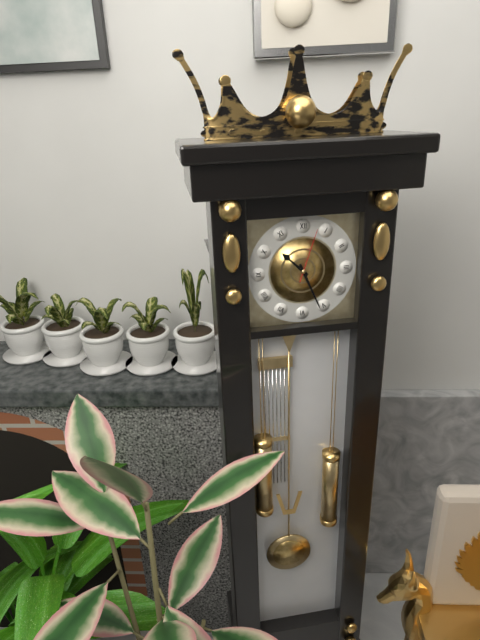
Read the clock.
10:26:03
